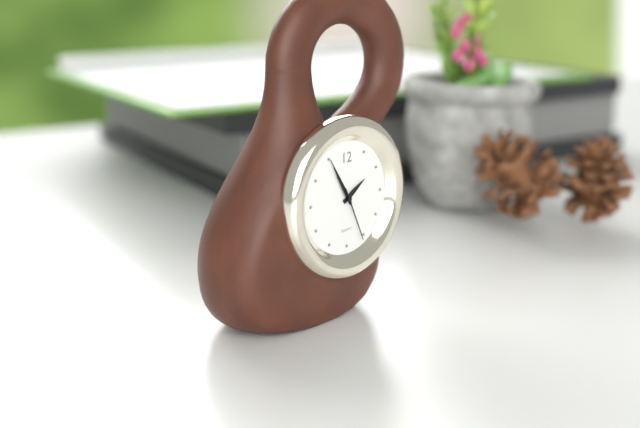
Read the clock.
1:55:26
